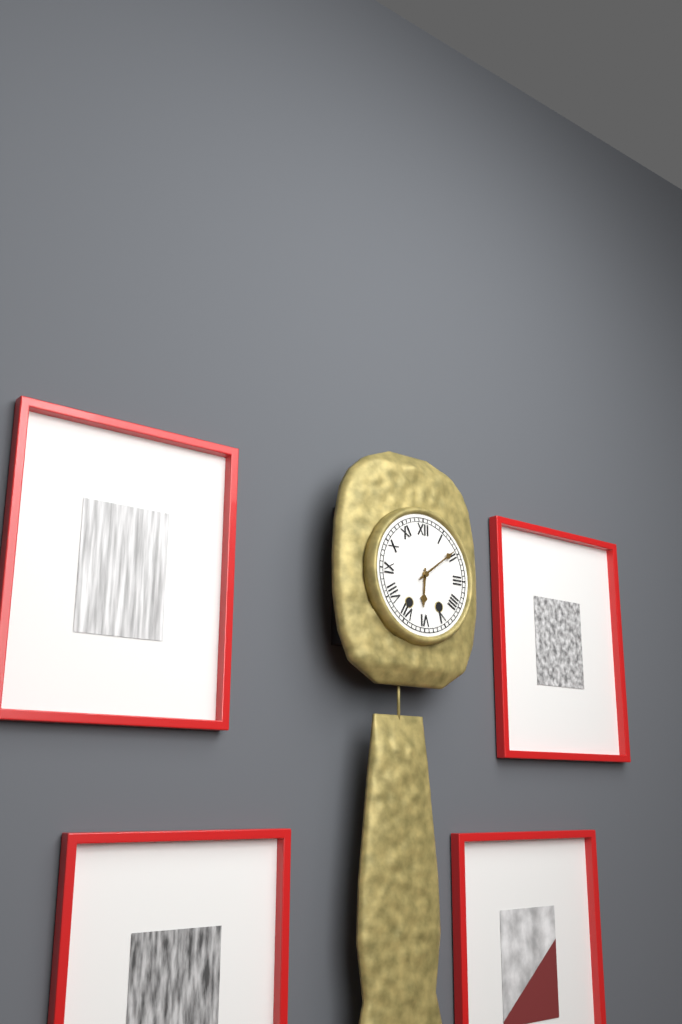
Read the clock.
6:09
